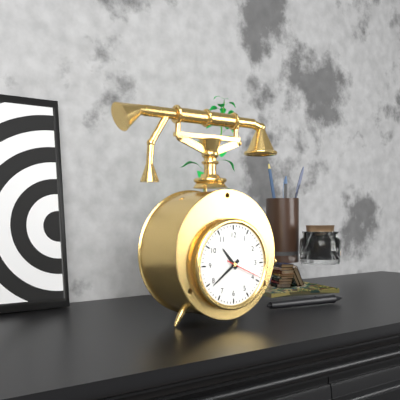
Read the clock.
10:39
